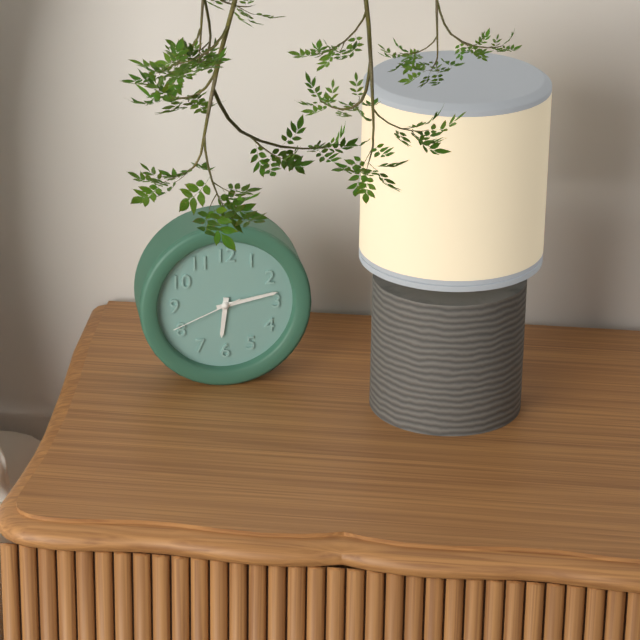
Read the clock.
6:13:41
